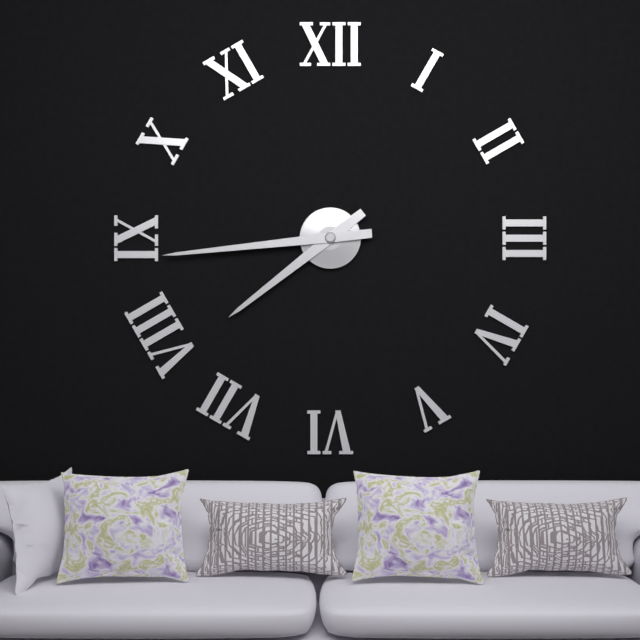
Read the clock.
7:44
